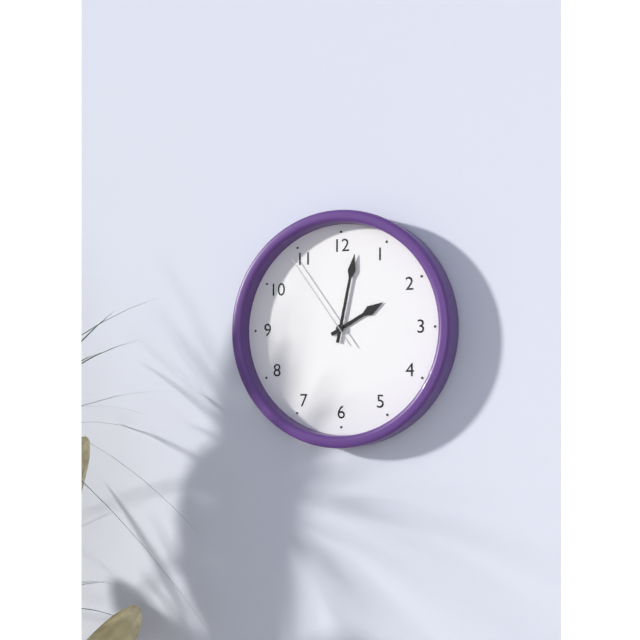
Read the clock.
2:02:54
